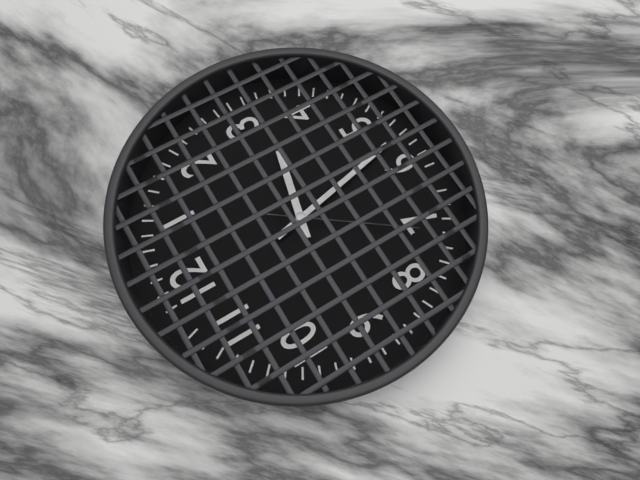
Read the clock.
3:28:36
